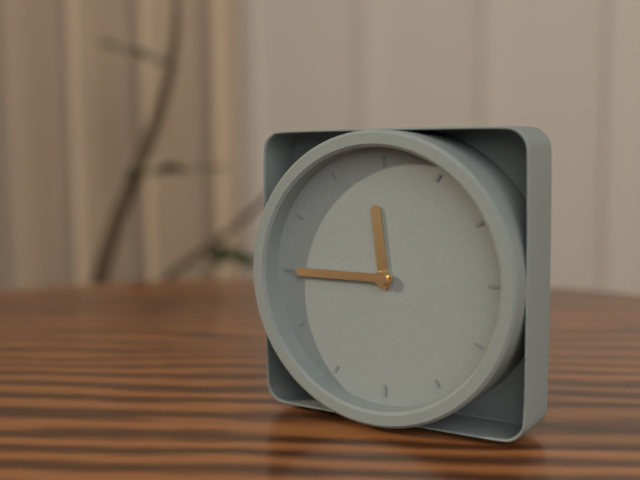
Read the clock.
11:45
